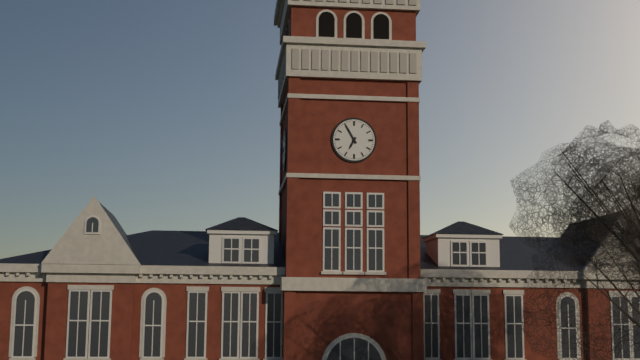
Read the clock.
6:55
